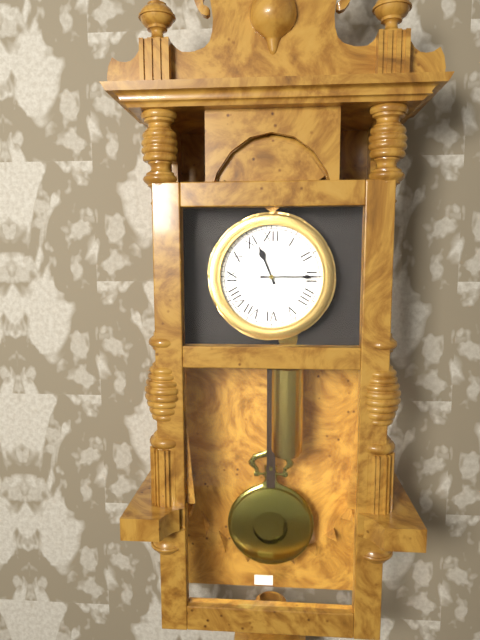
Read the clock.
11:15
